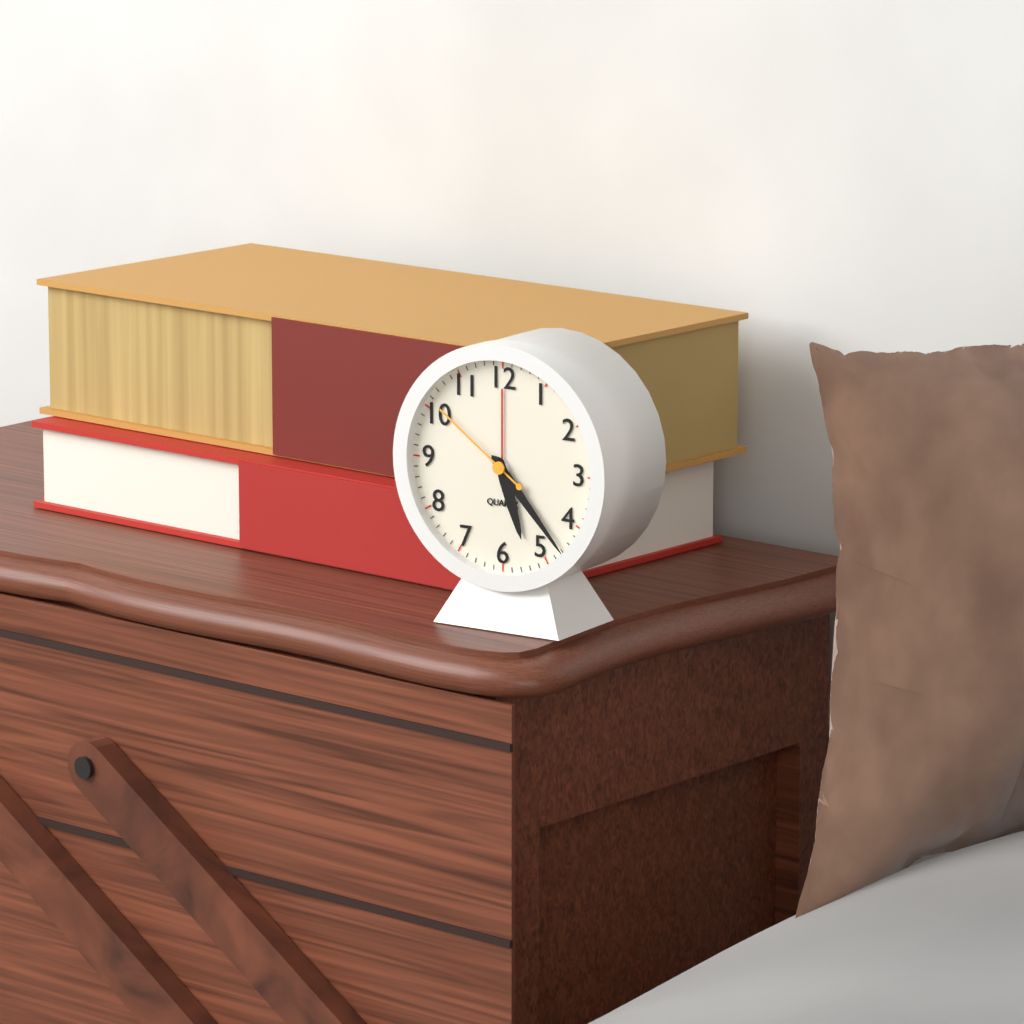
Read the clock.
5:23:51
